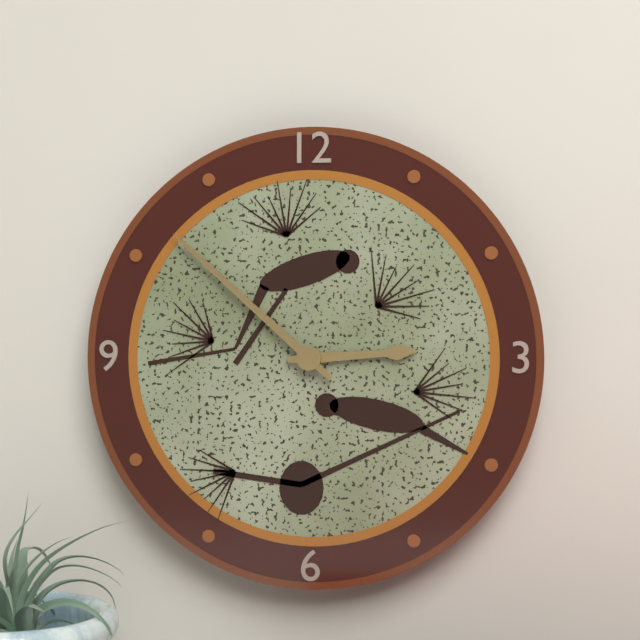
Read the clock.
2:52
